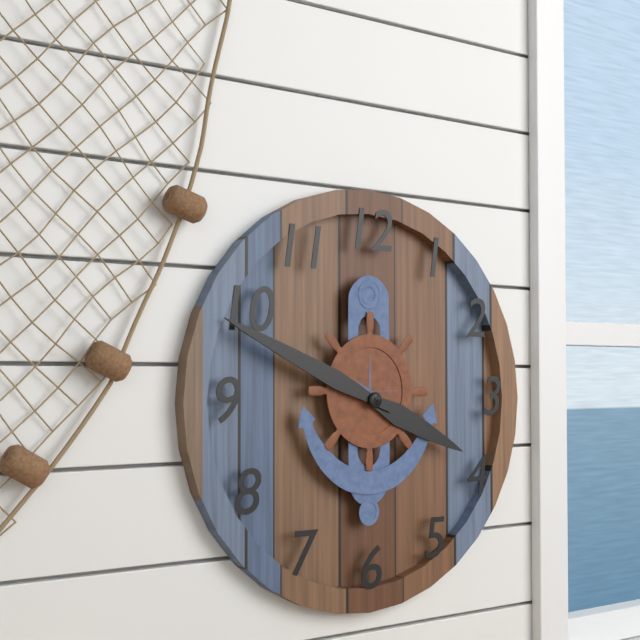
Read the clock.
3:49
